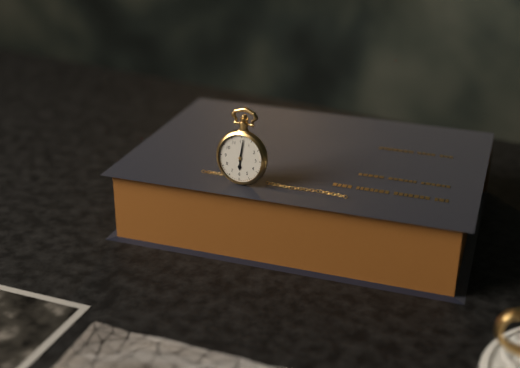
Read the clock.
6:01
